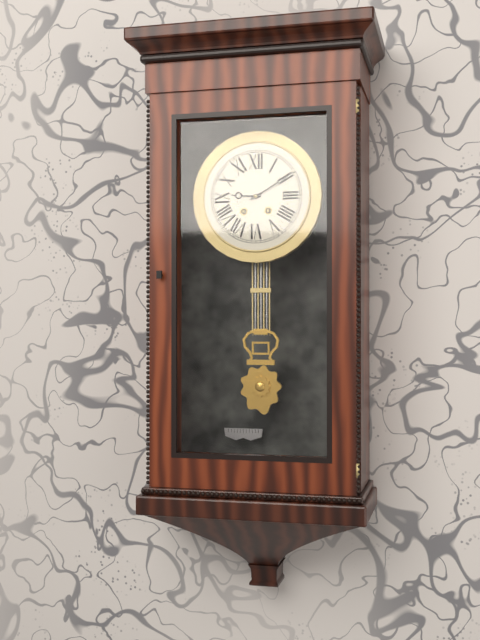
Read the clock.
9:10
